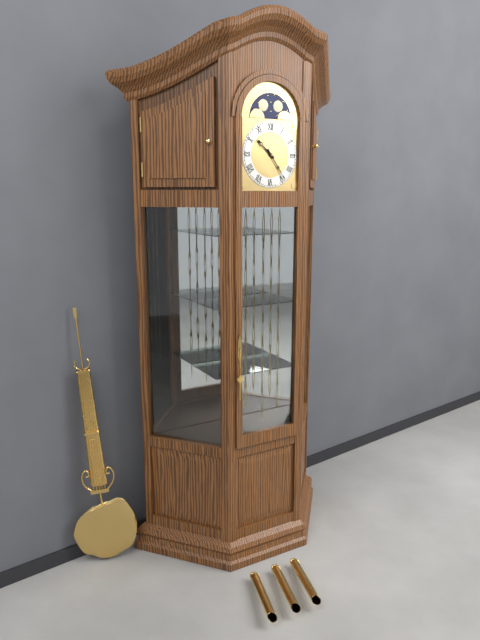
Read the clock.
10:24
